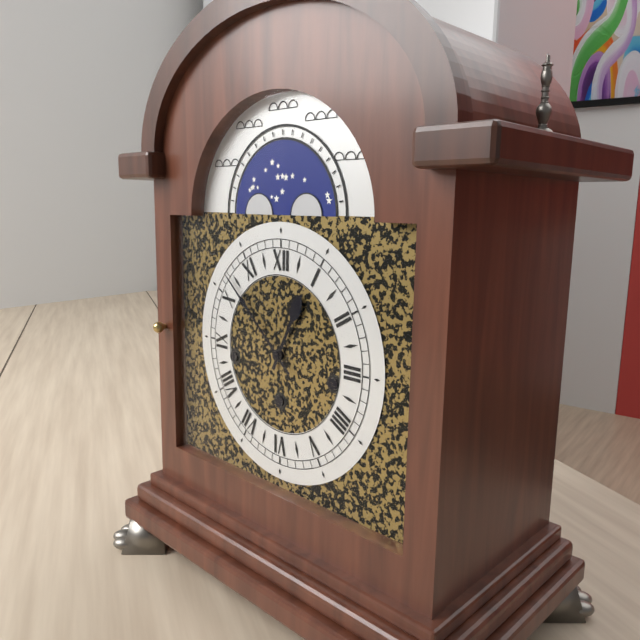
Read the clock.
12:52
